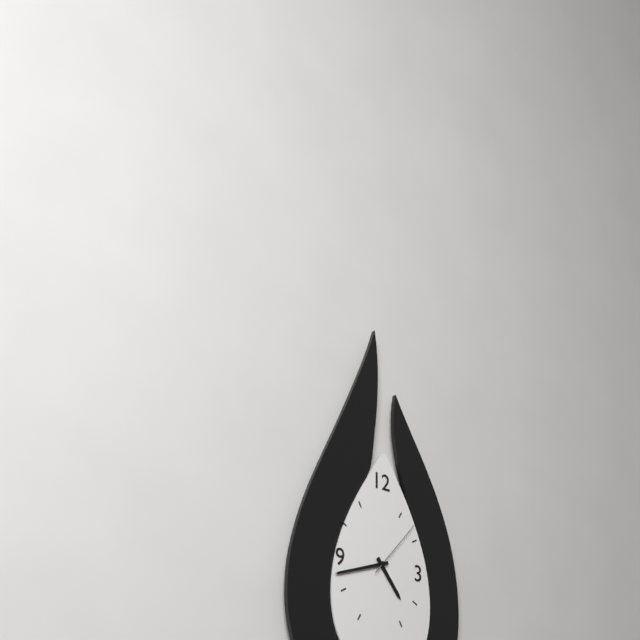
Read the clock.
4:42:07
